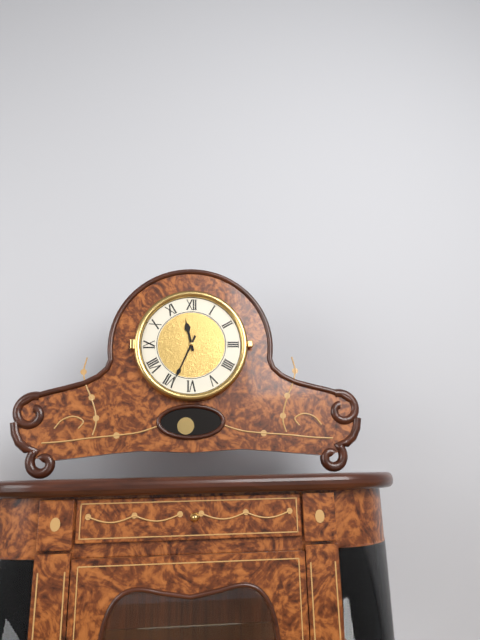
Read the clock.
11:34
